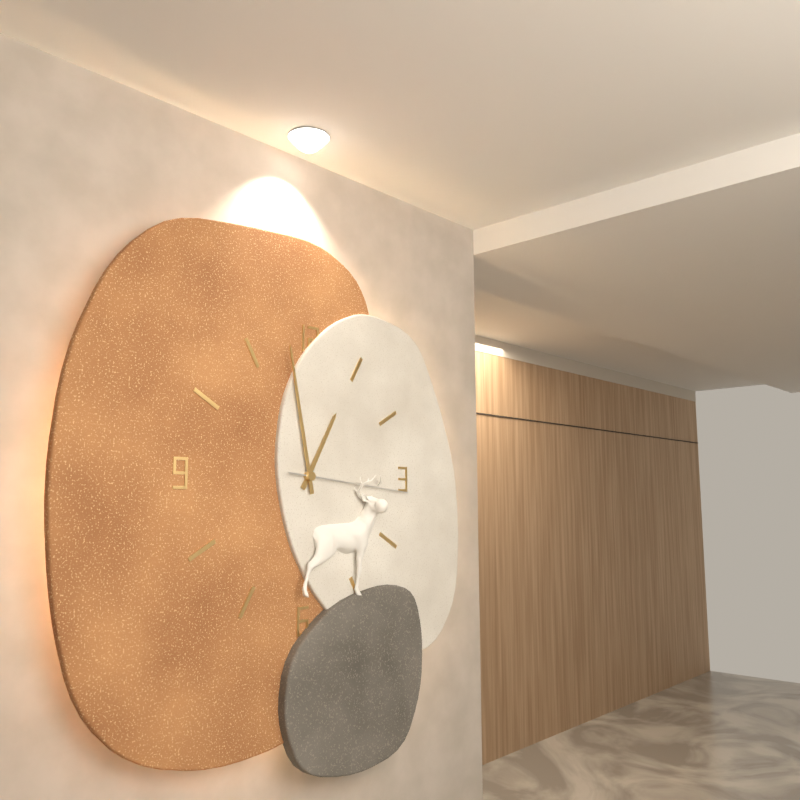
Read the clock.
12:58:16
